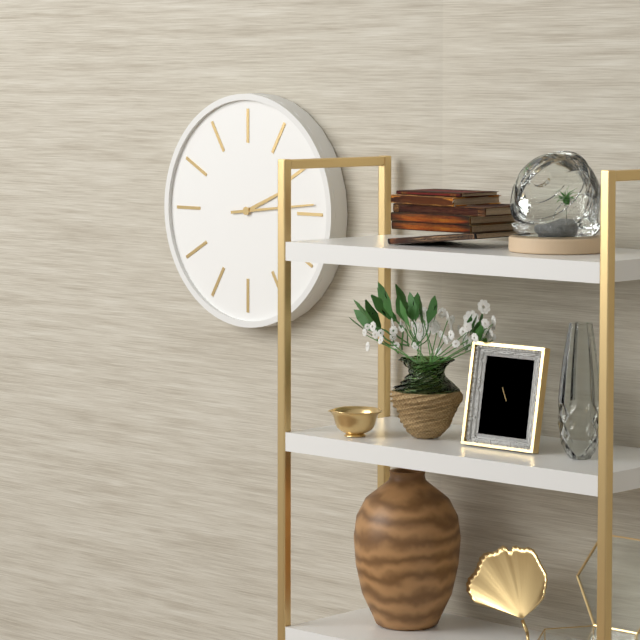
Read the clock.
2:14
